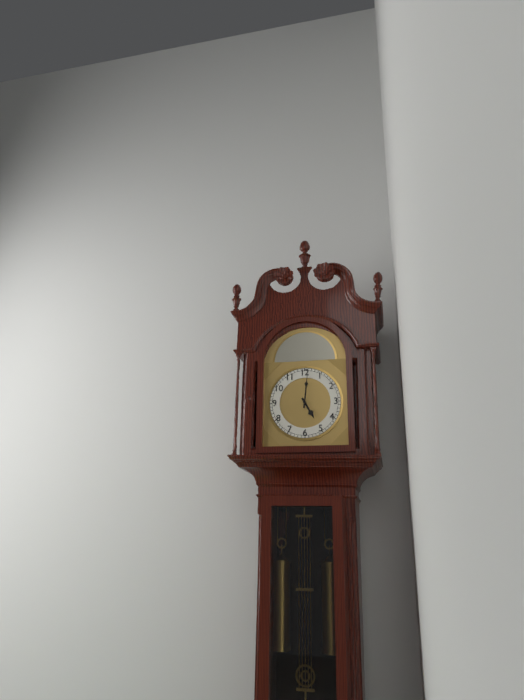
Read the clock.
5:01
